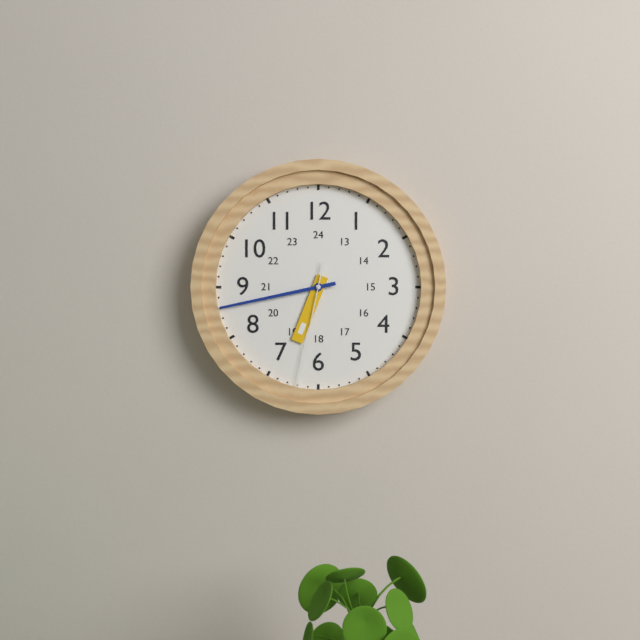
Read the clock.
6:43:32
